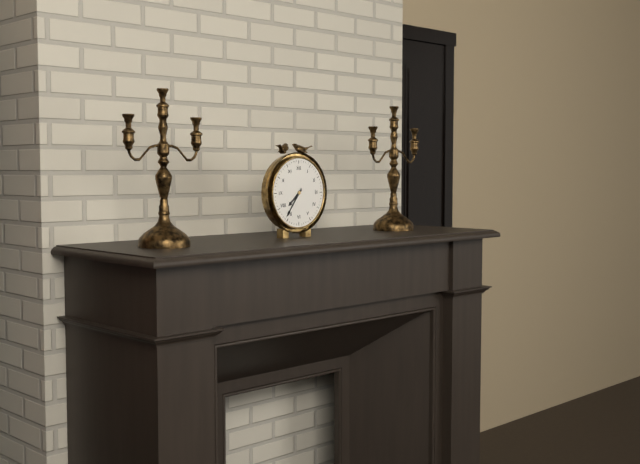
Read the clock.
7:36
